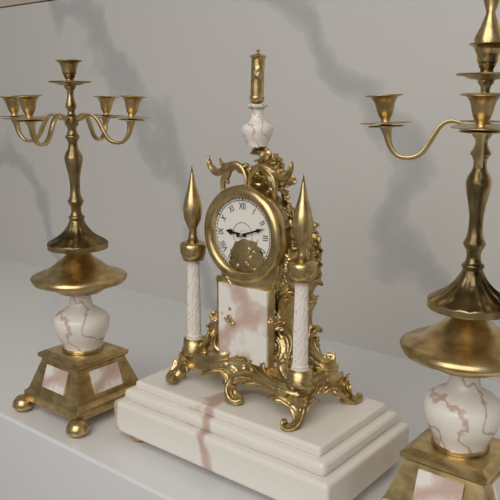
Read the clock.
9:12
